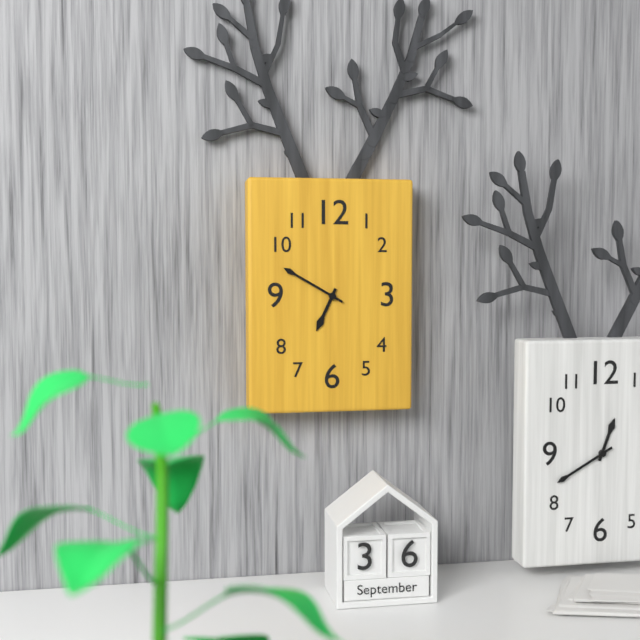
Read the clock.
6:50
